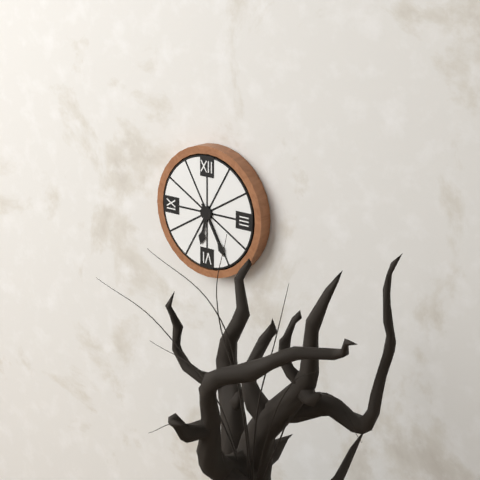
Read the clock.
6:25
